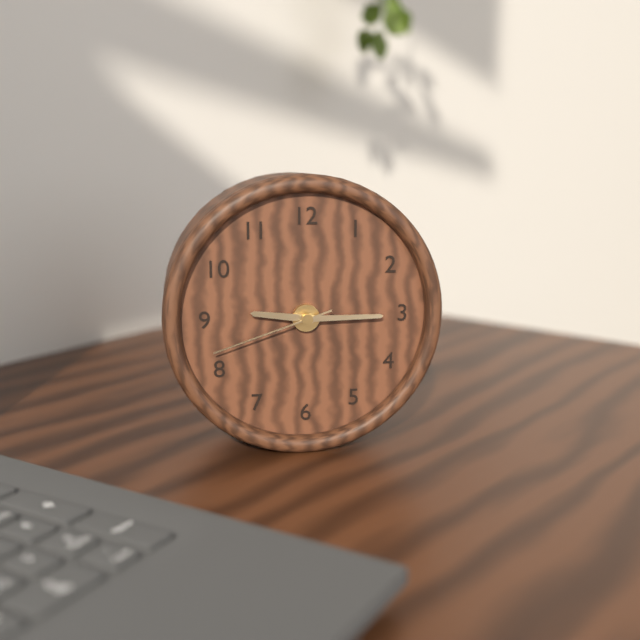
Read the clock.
9:15:42
